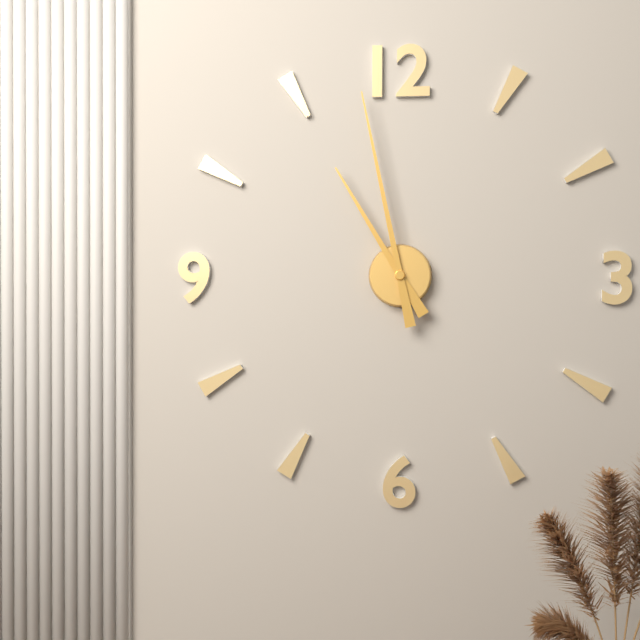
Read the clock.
10:58
